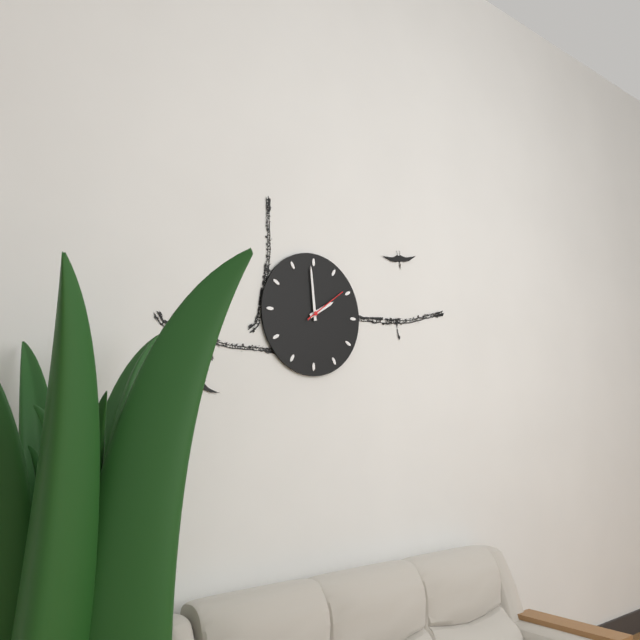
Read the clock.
1:59
